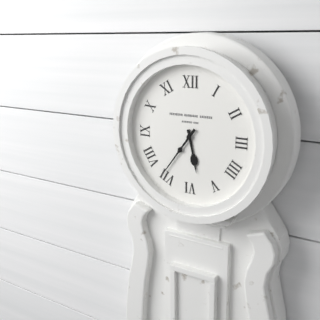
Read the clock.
5:36
